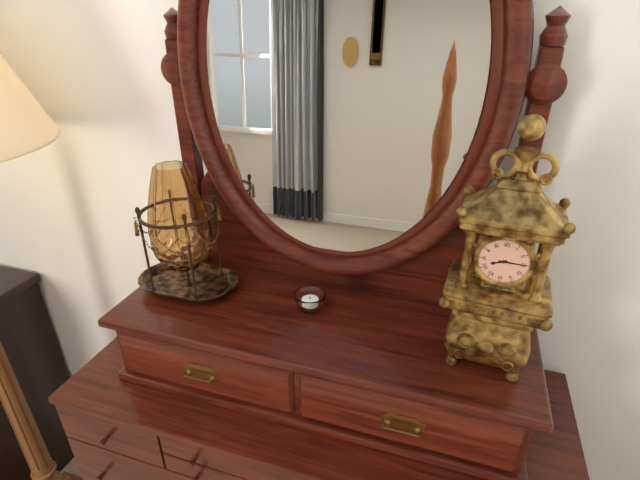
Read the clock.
8:15
